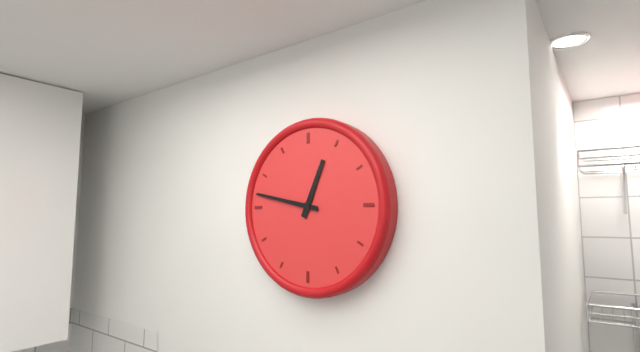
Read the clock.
12:47
